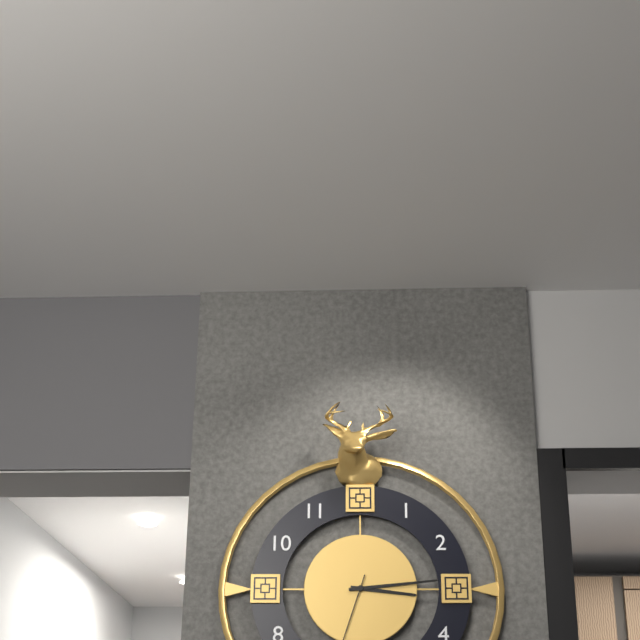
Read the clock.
3:14
